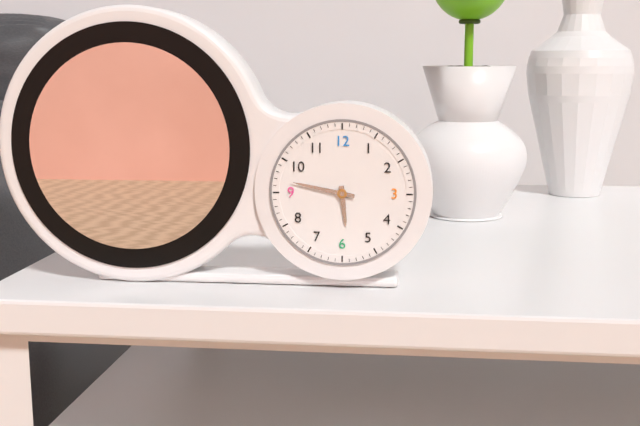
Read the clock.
5:47
